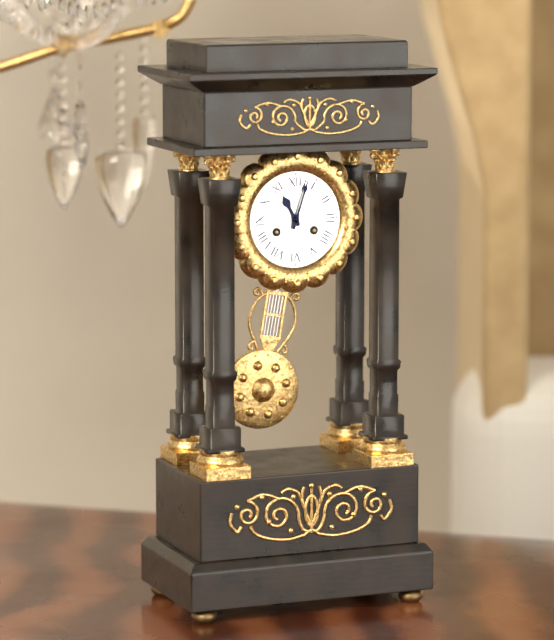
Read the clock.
11:03
